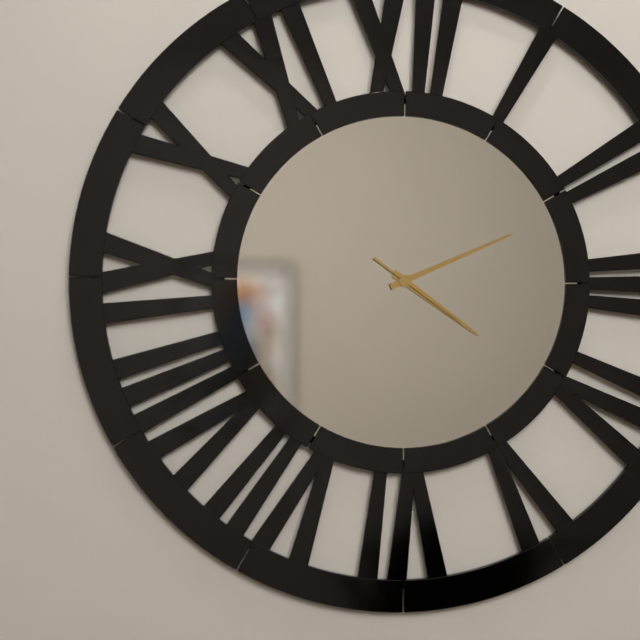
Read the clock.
4:11:21
